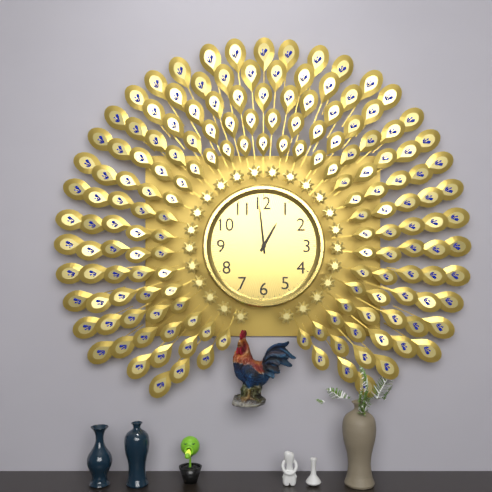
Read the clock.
12:59
